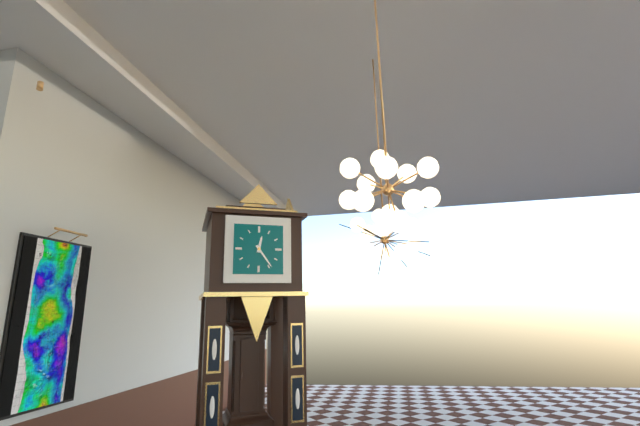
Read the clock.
12:24
